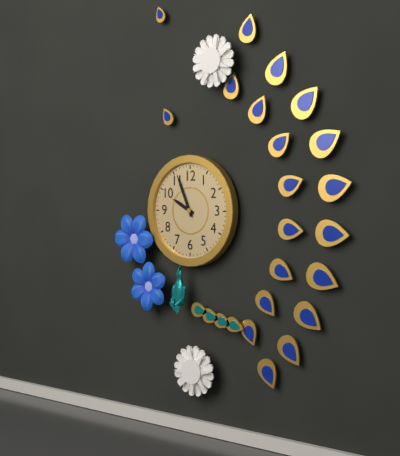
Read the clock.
9:56
